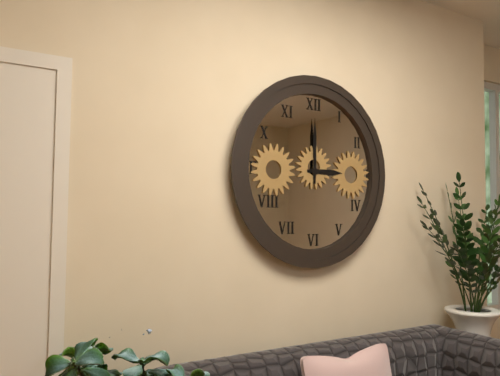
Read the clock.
3:00
